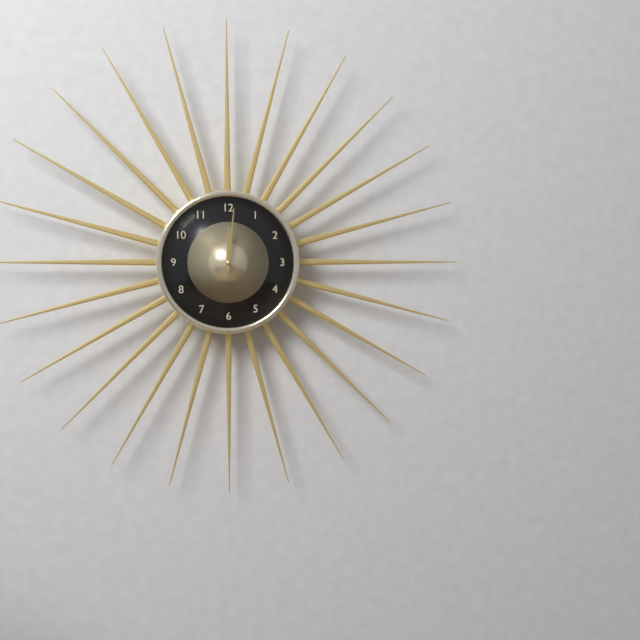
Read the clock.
12:01
